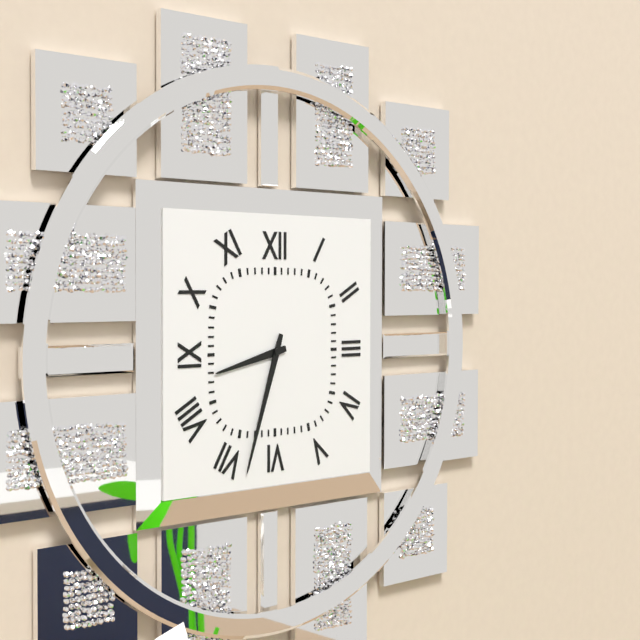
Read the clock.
8:33
